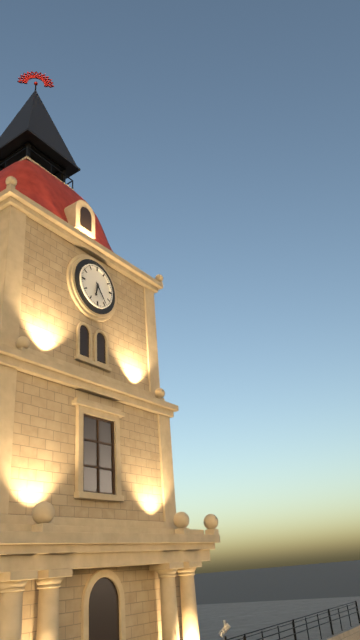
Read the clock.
6:24
